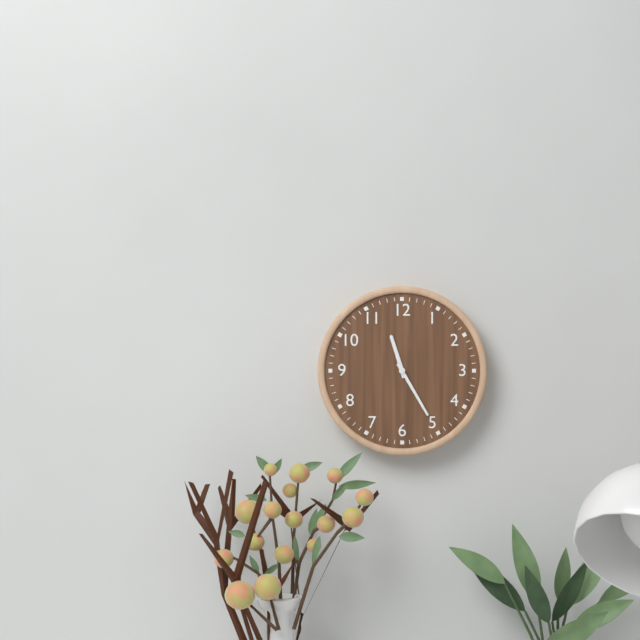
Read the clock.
11:25
